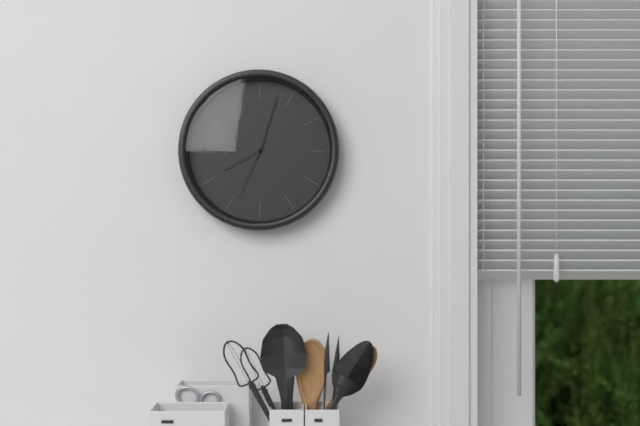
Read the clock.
8:03:34
